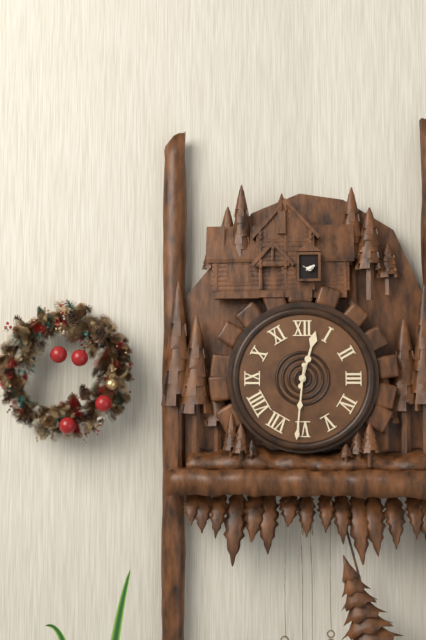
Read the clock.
12:31
